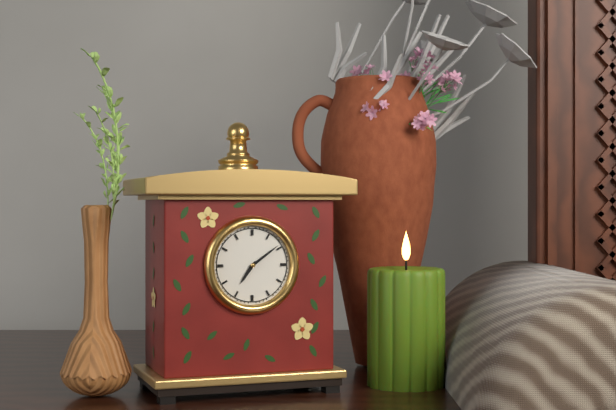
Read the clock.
7:09
